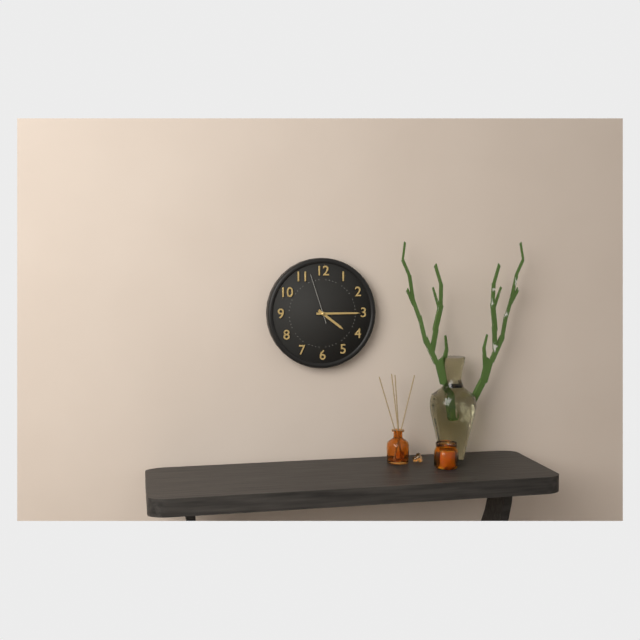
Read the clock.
4:15
